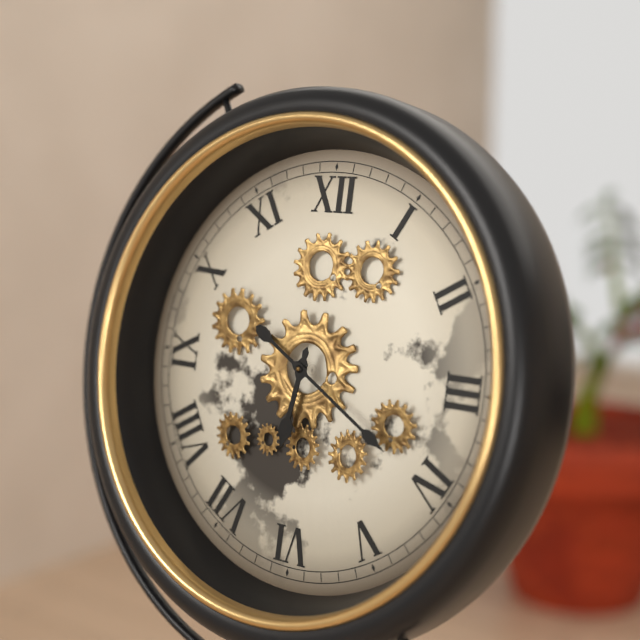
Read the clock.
6:20
